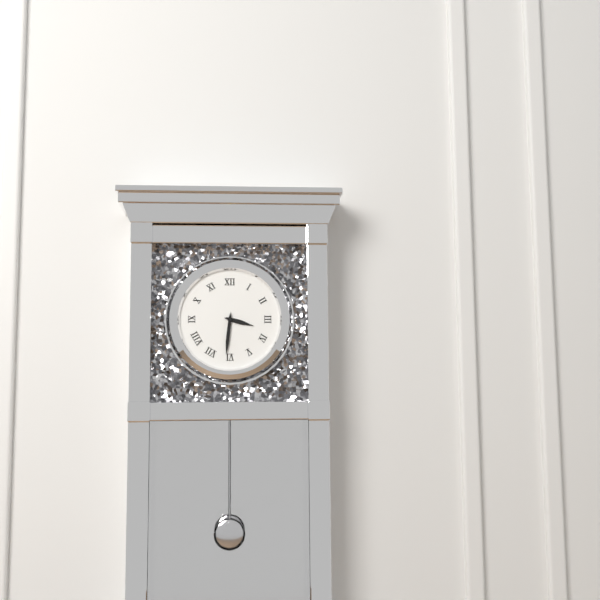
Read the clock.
3:31
